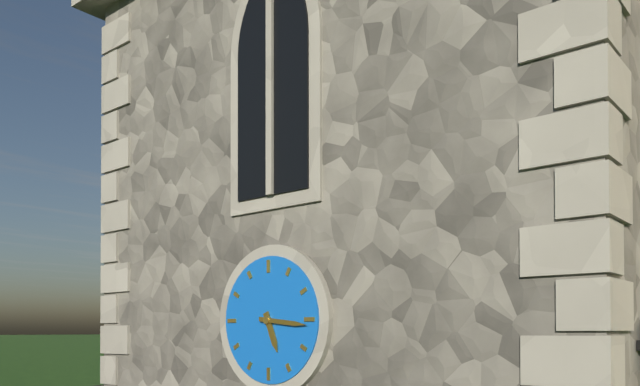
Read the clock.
5:16
